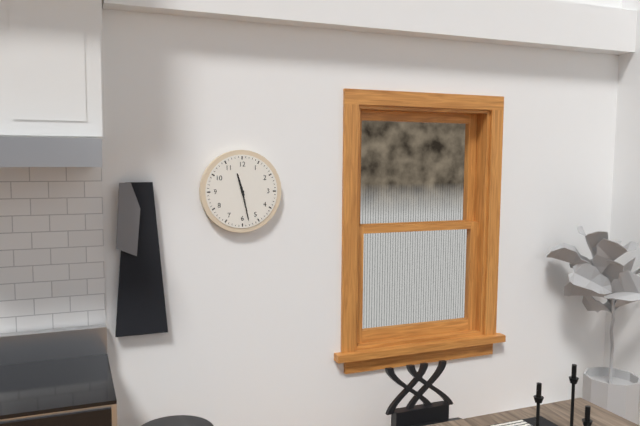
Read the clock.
11:28
